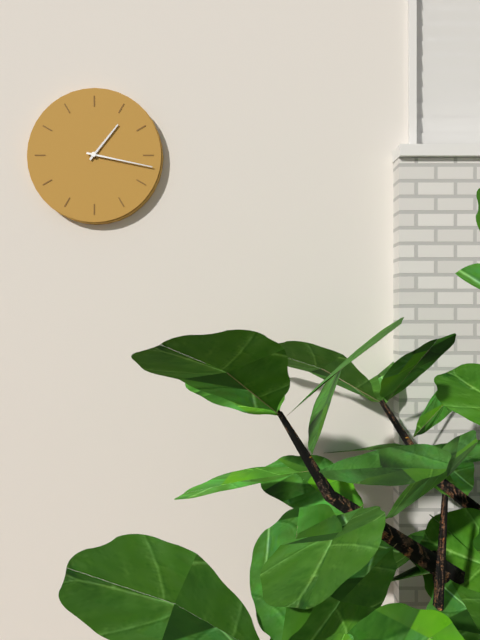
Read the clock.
1:17
